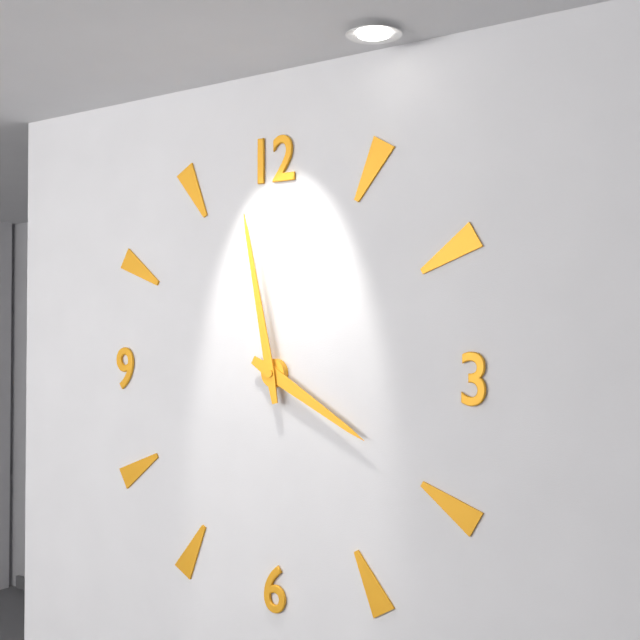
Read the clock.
3:58
